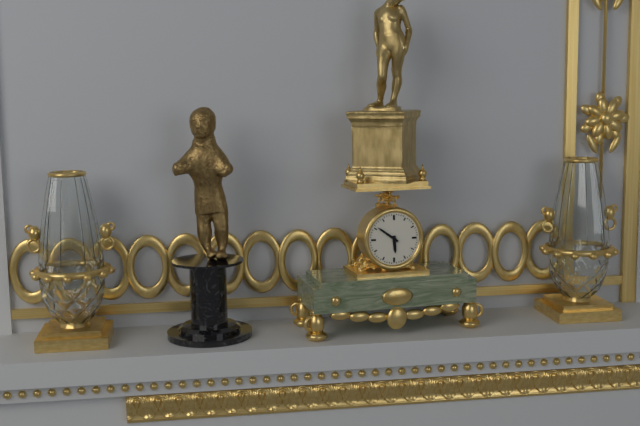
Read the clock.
5:51
